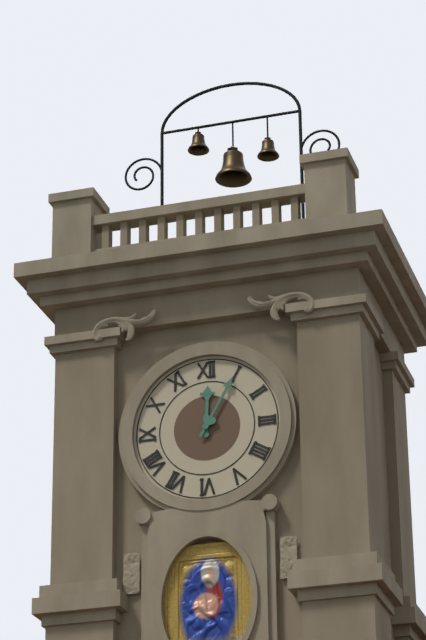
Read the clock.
12:05
